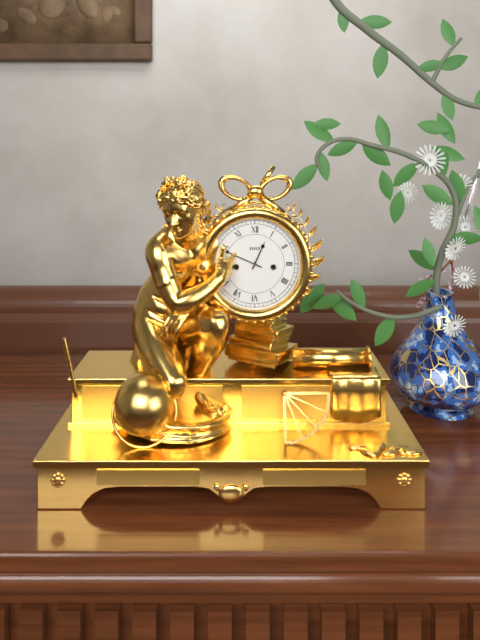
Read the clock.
12:49
